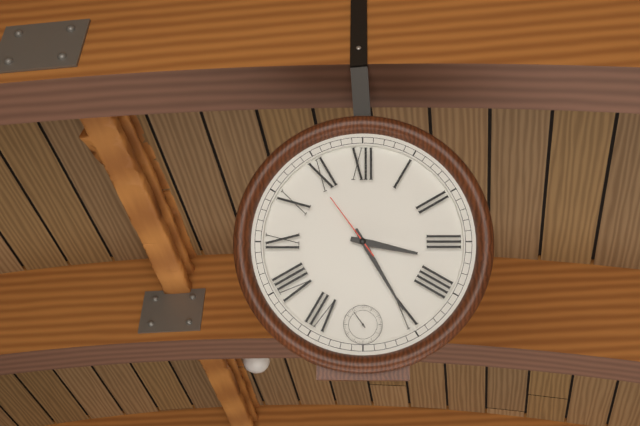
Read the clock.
3:25:54
